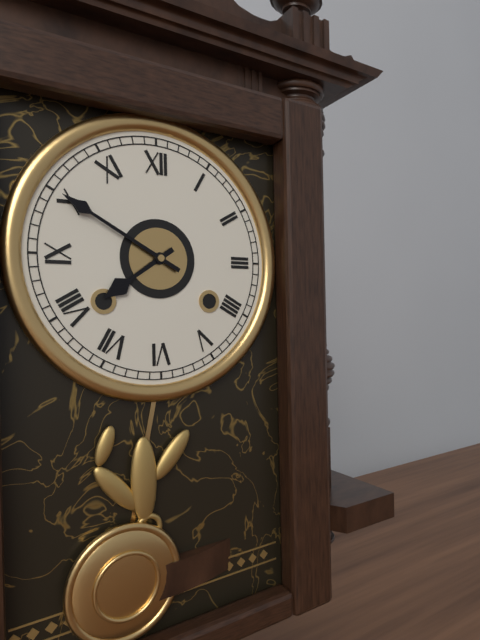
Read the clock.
7:50
